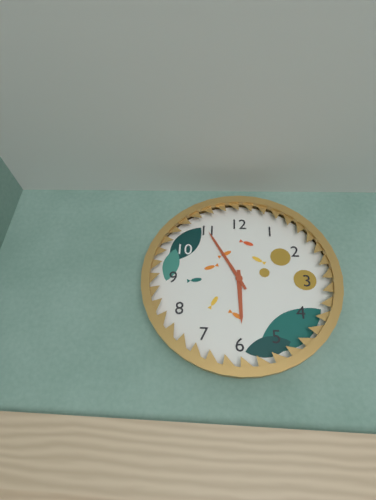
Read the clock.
5:55
